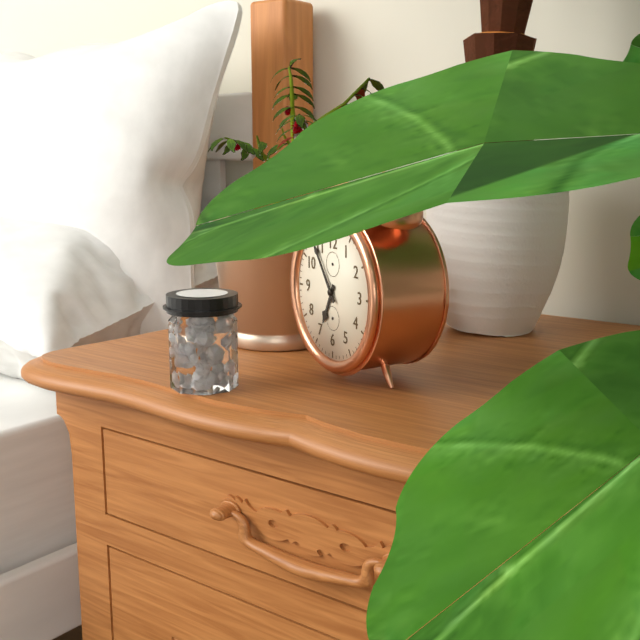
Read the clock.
6:54
